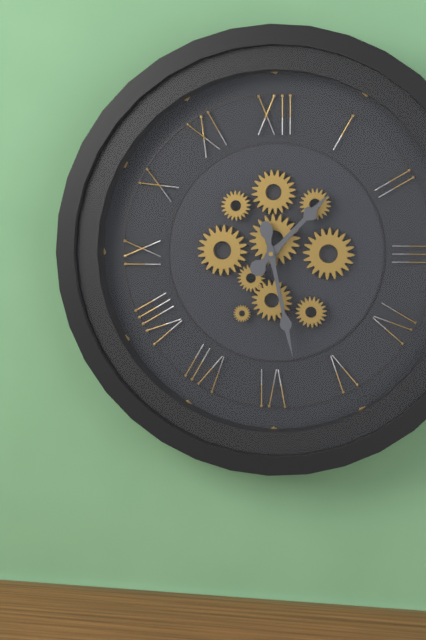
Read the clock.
1:28
